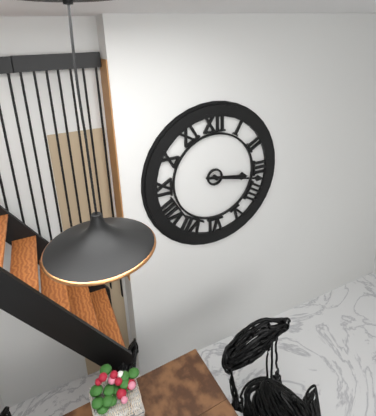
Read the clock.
3:17
